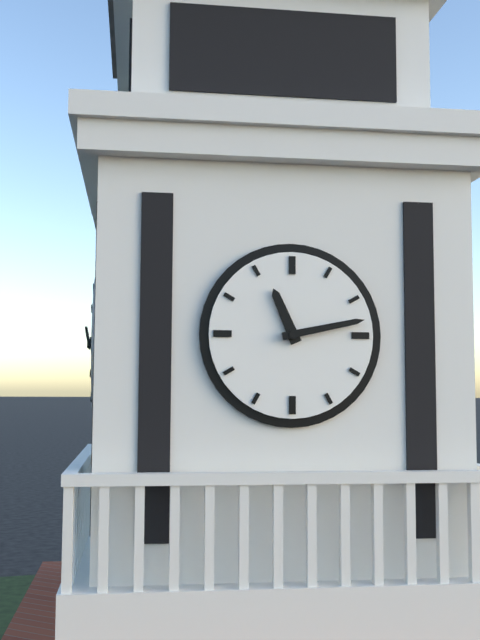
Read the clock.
11:13
